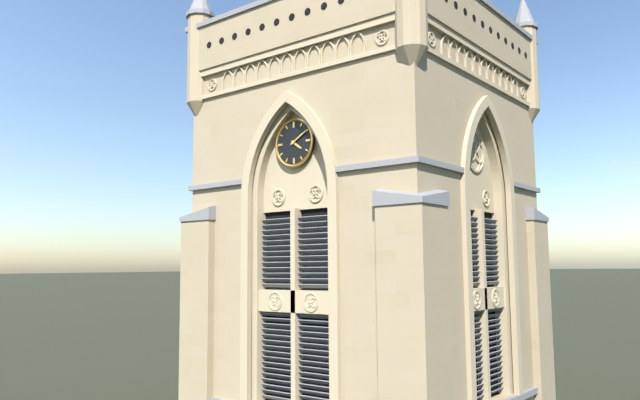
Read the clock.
4:10
